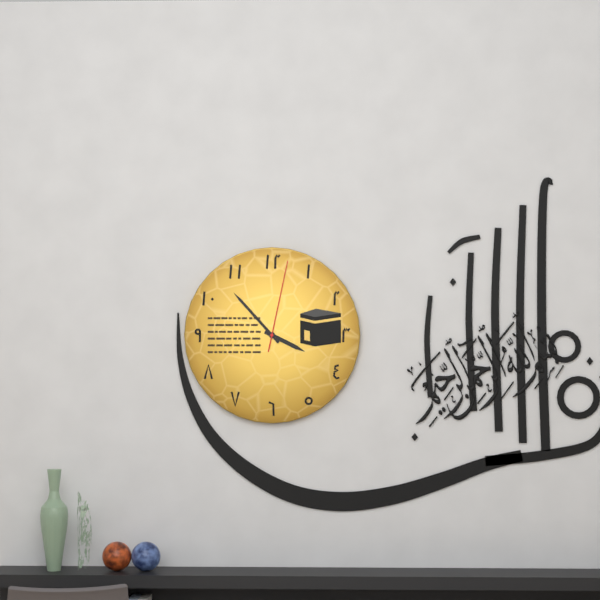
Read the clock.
3:53:02
